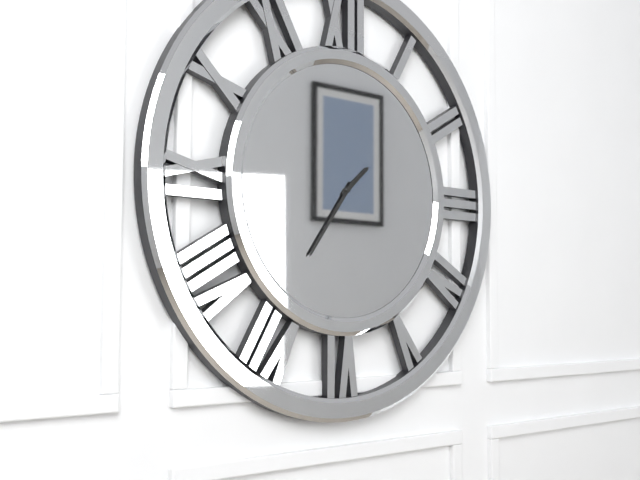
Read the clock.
1:36
